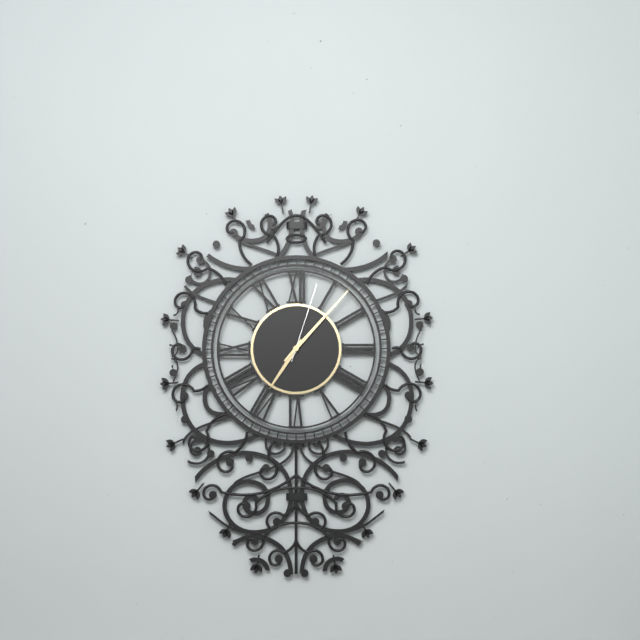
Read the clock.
7:07:03
